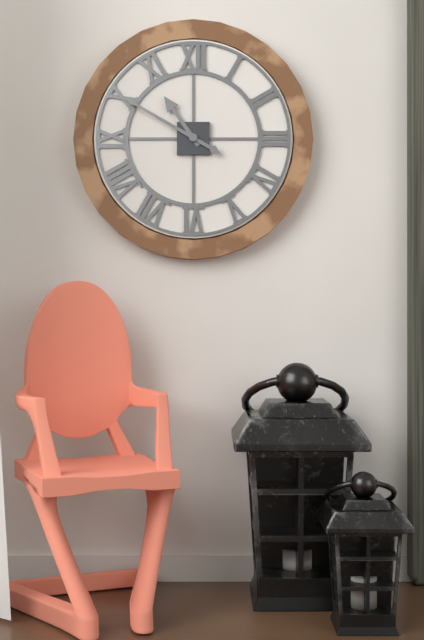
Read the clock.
10:50
